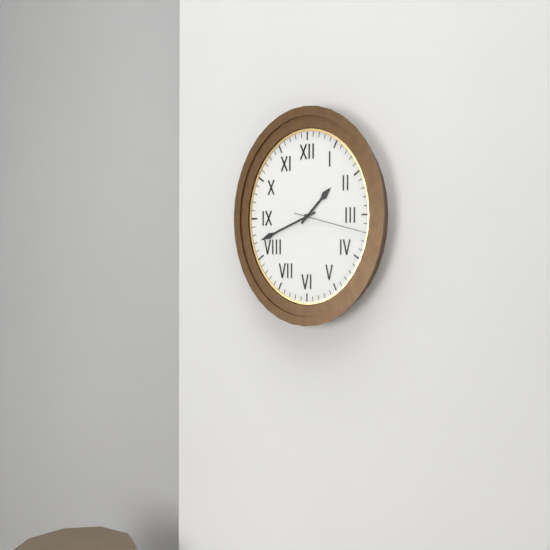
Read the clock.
1:42:17
